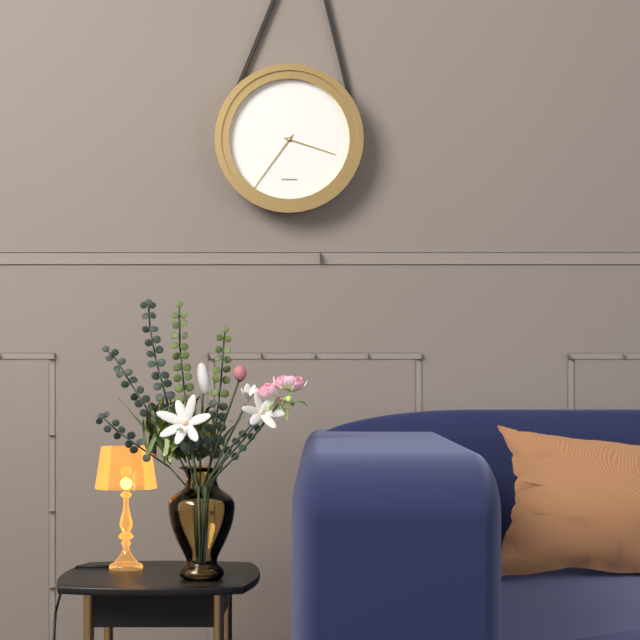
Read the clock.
3:36
